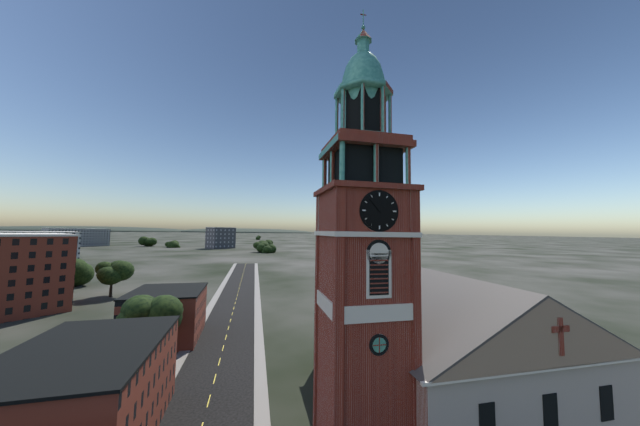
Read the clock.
1:53
